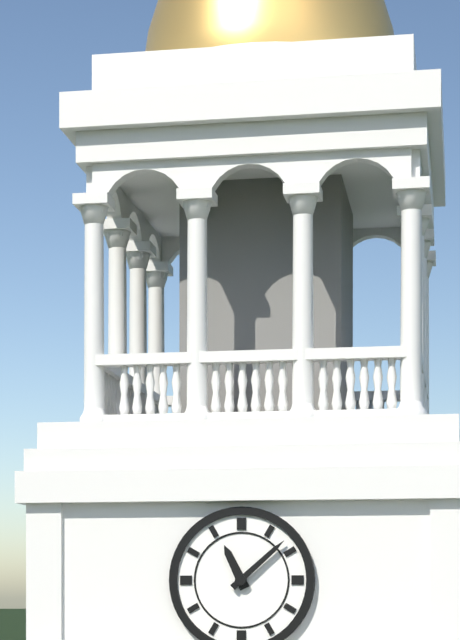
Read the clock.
11:08
